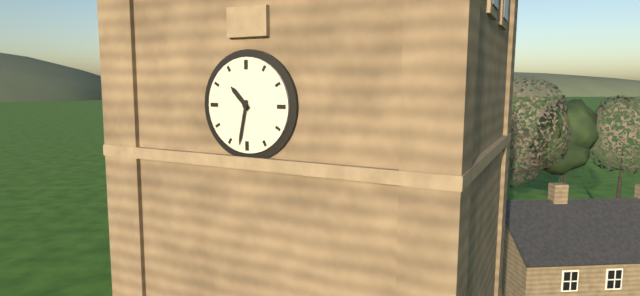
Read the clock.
10:32
